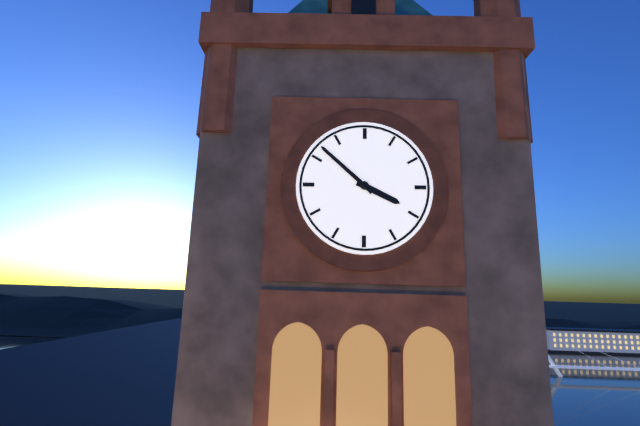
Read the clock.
3:52
